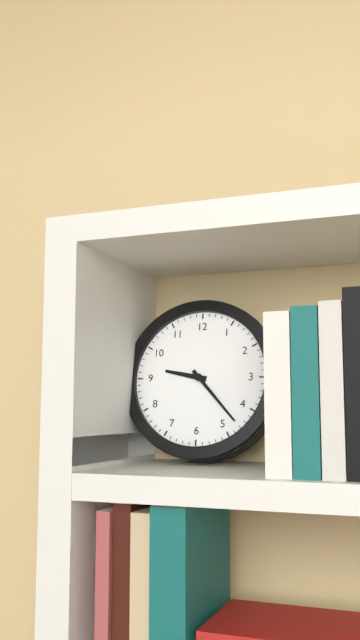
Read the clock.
9:23
